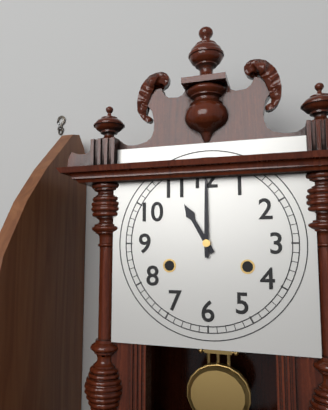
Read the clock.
11:00
